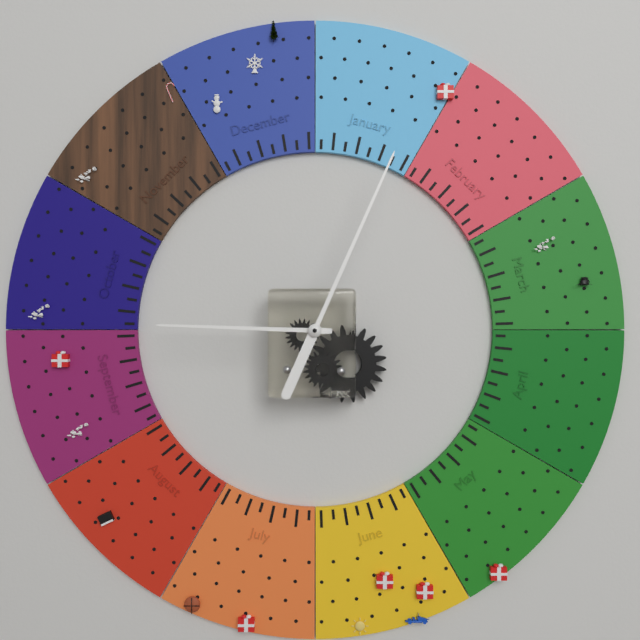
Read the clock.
9:04
